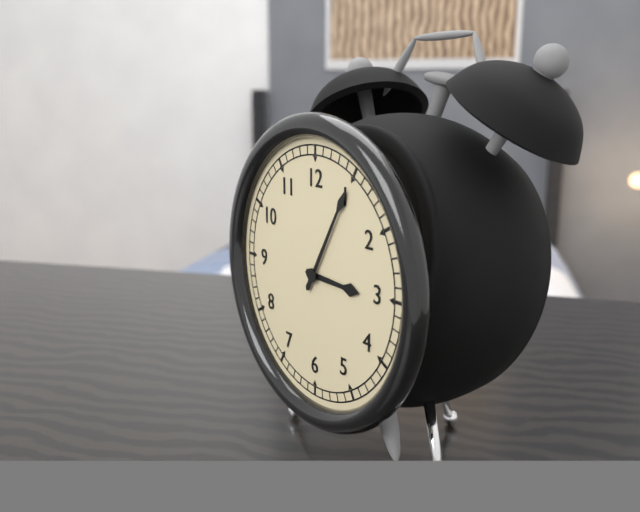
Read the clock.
3:05
